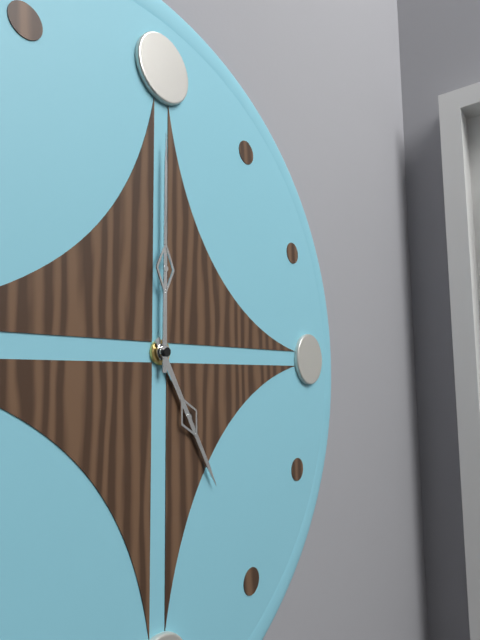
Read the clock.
5:00
